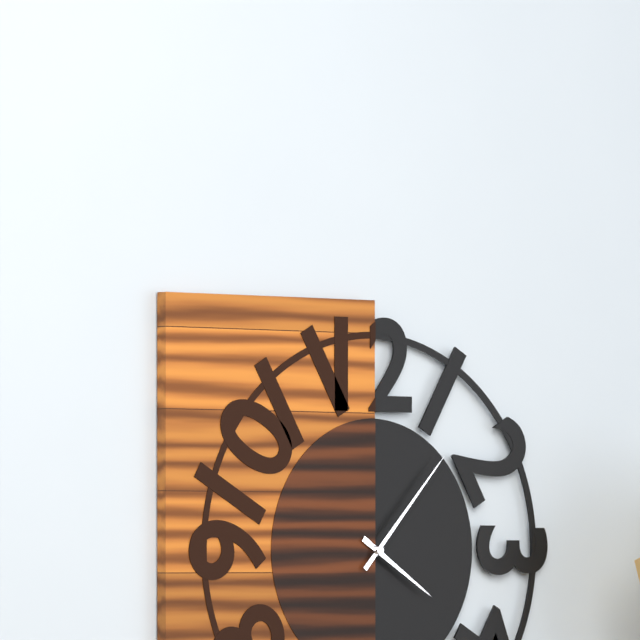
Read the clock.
4:07
